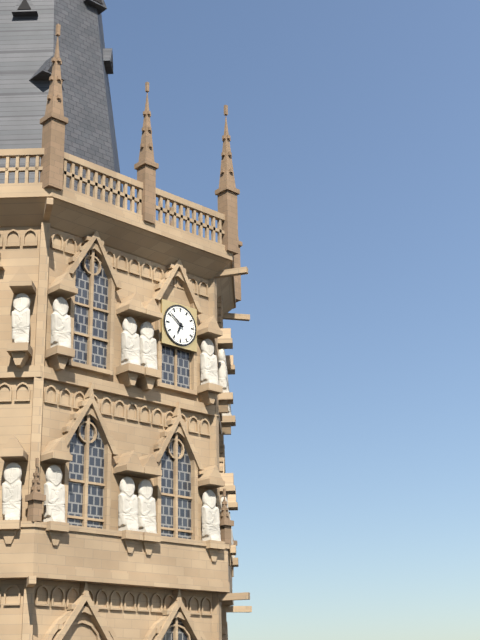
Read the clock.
6:51
